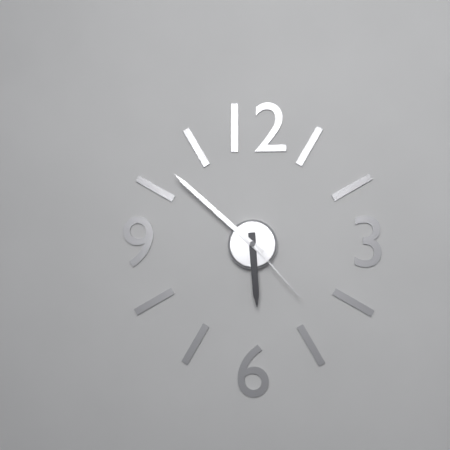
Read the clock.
5:52:23
